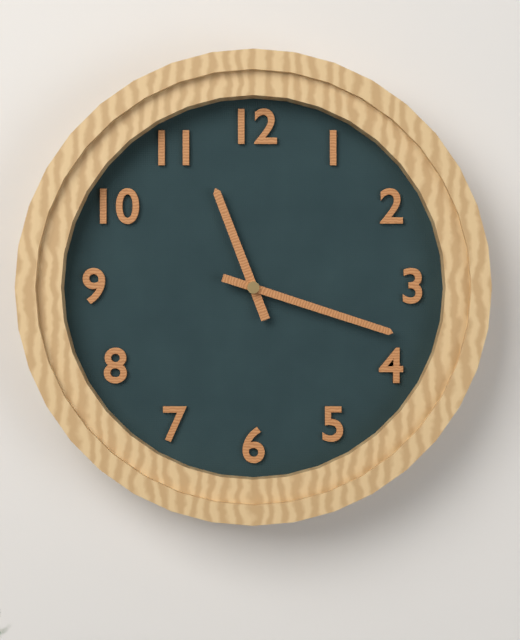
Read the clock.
11:18
